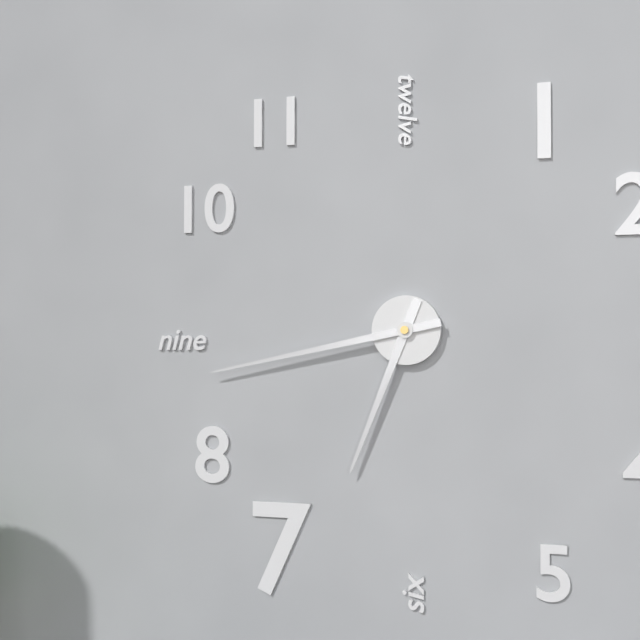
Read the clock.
6:43
